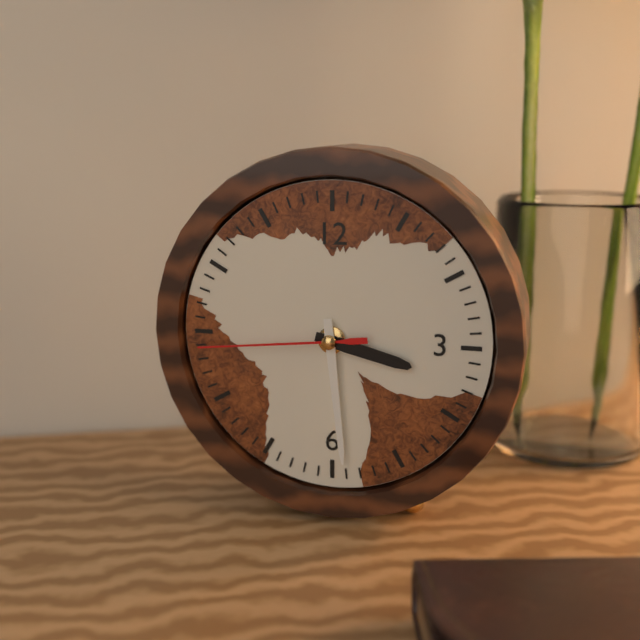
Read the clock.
3:29:44
